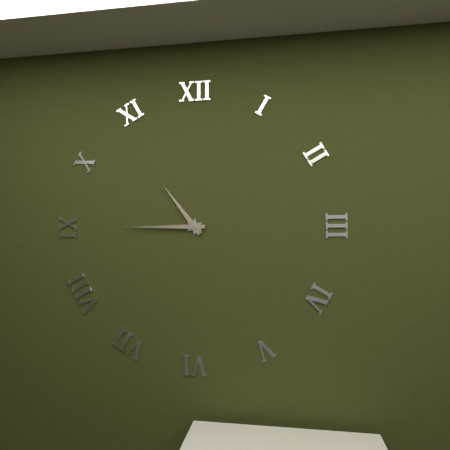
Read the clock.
10:45
